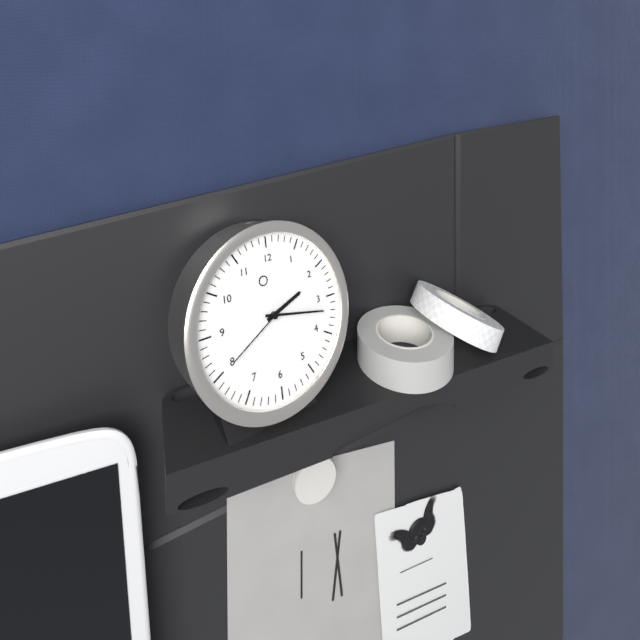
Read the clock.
2:17:40
